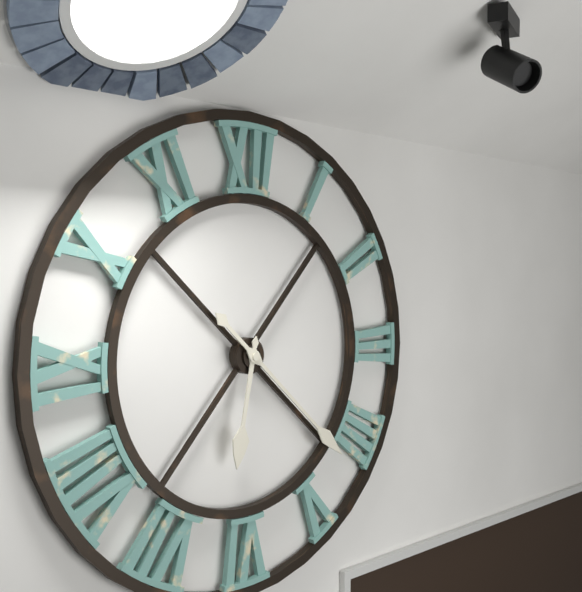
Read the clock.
6:22
